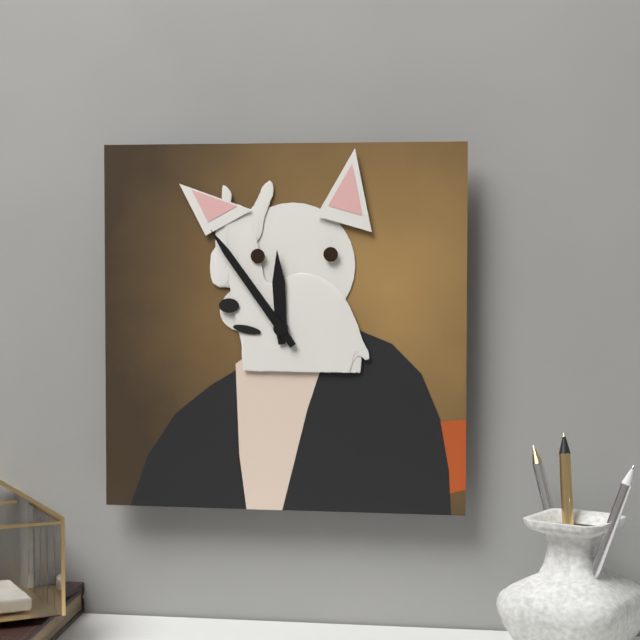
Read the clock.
11:54
